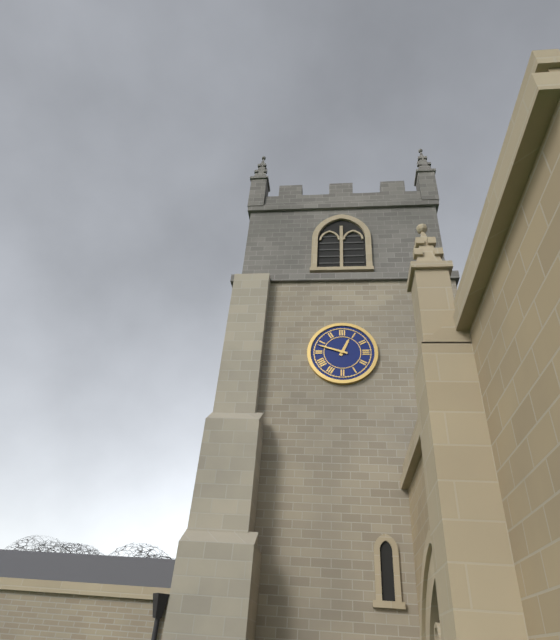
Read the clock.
12:48
